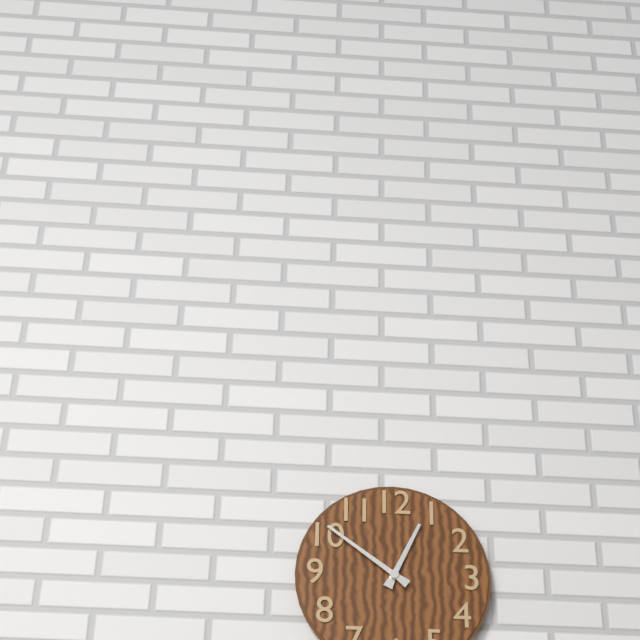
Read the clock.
12:51
